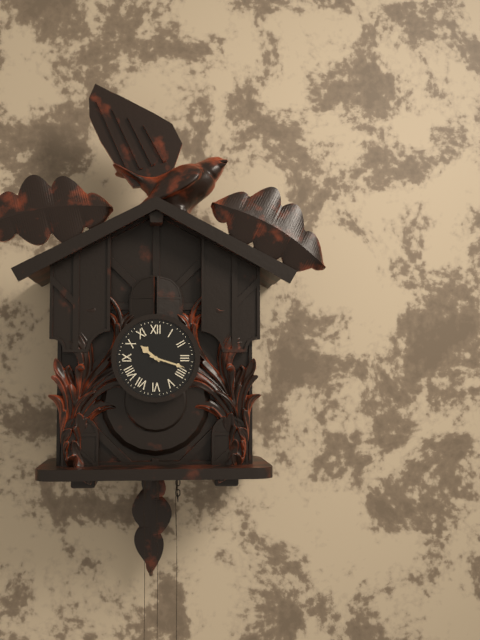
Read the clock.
10:18
